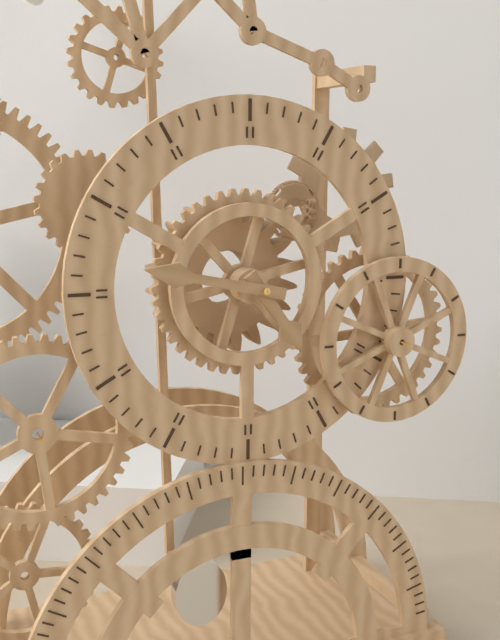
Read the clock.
4:47
